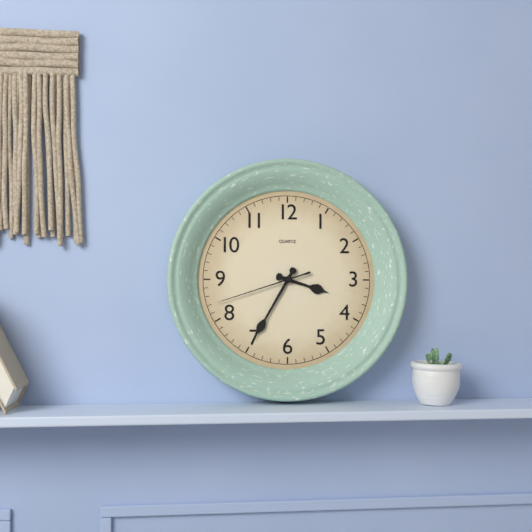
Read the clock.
3:35:42
